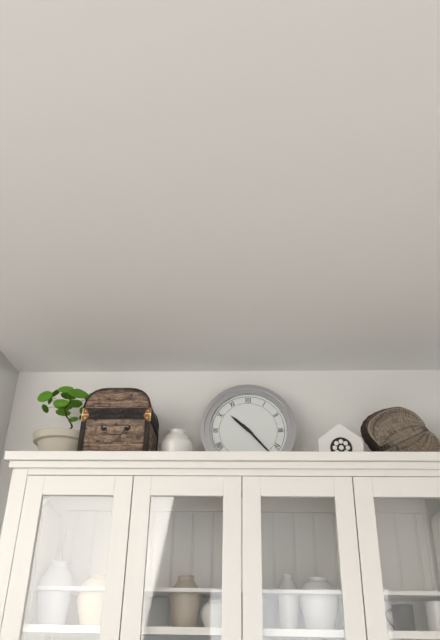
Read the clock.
10:23
